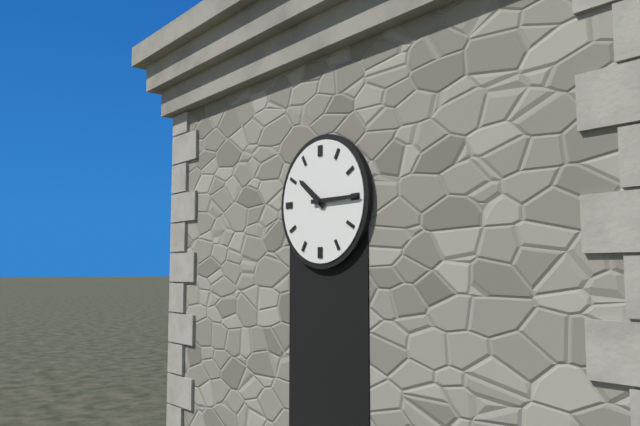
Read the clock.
10:15
